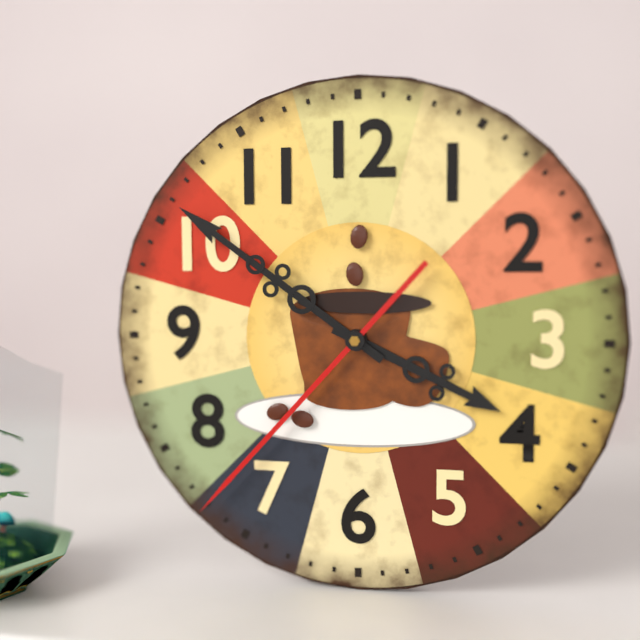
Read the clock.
3:51:37
